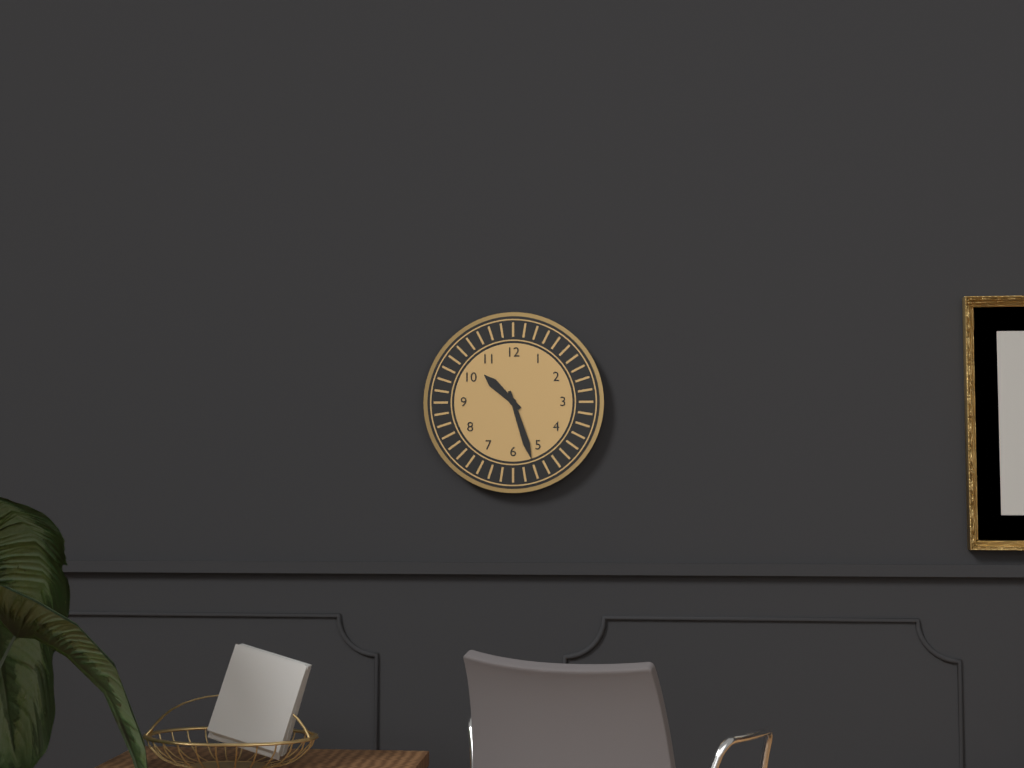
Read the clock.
10:27
